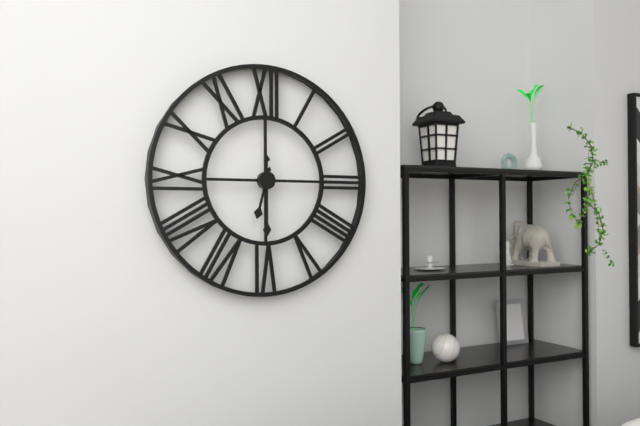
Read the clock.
6:30
